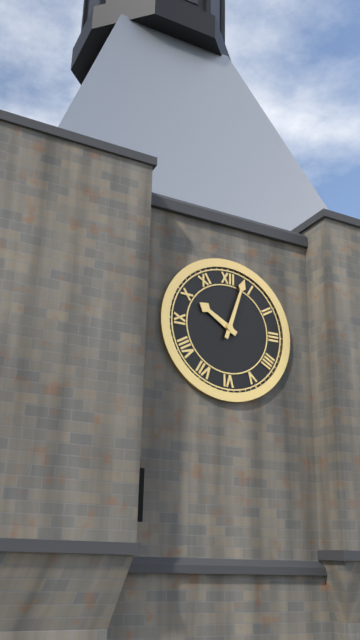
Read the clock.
10:03
